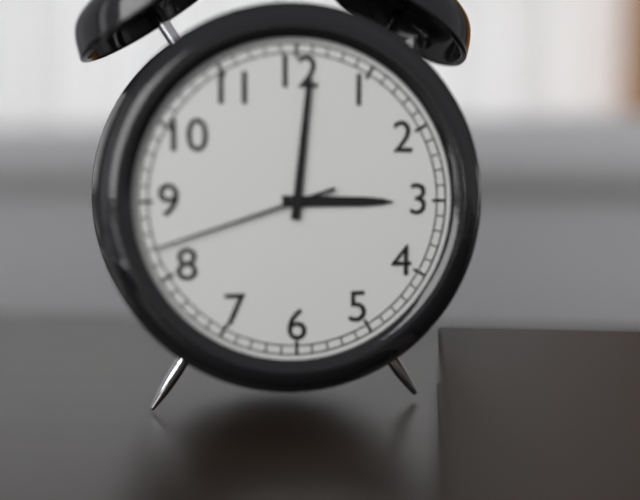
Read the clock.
3:01:42
